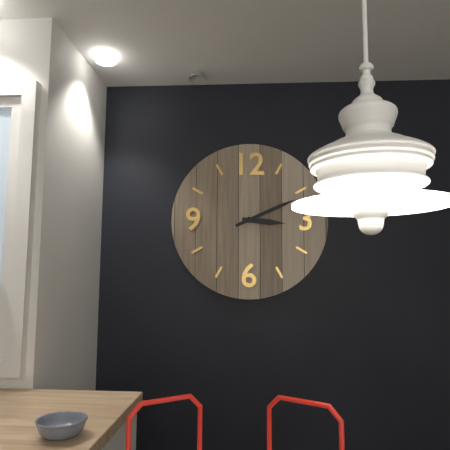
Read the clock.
3:11
